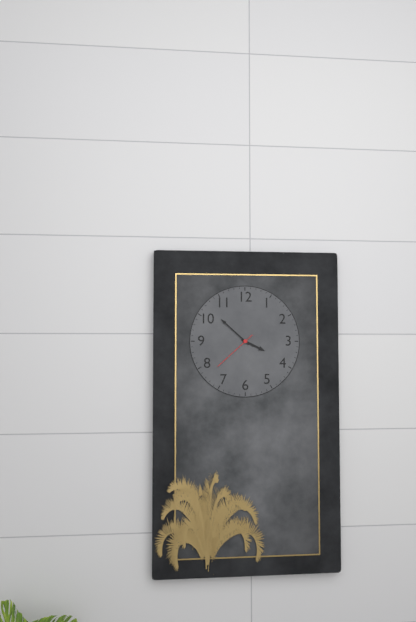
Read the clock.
3:52
